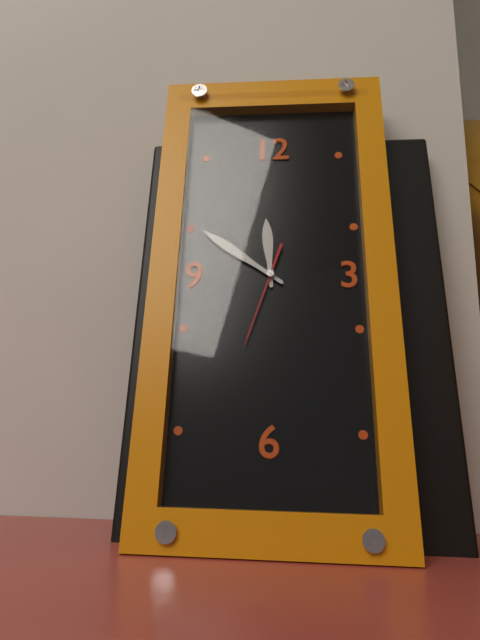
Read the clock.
11:51:33
